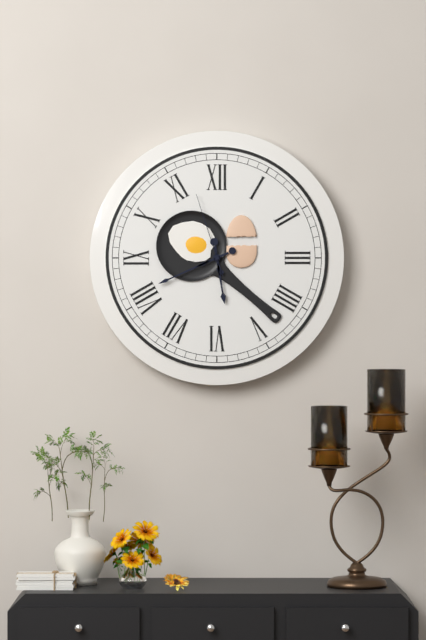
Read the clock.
5:41:57
